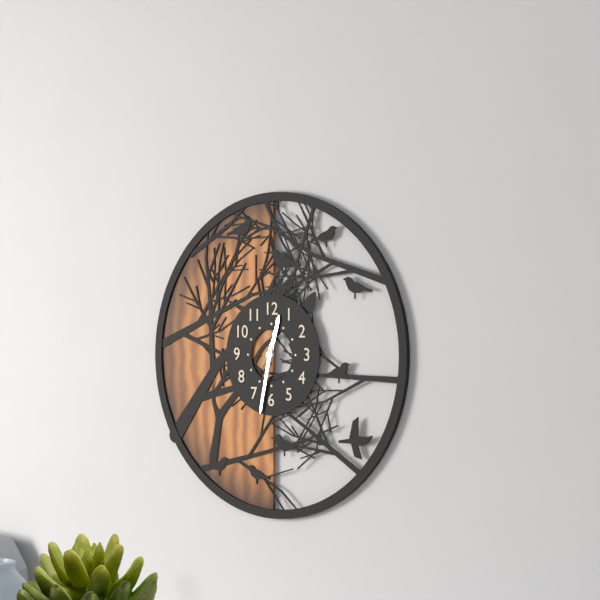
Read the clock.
12:32
